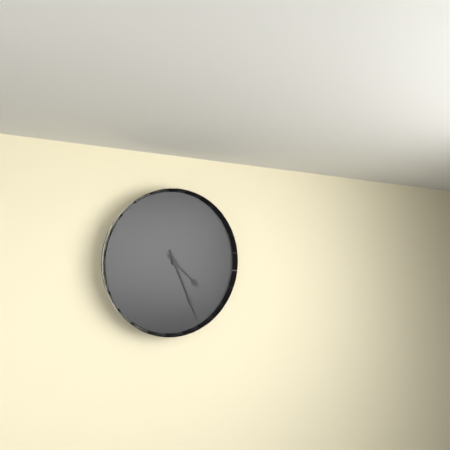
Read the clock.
4:26
